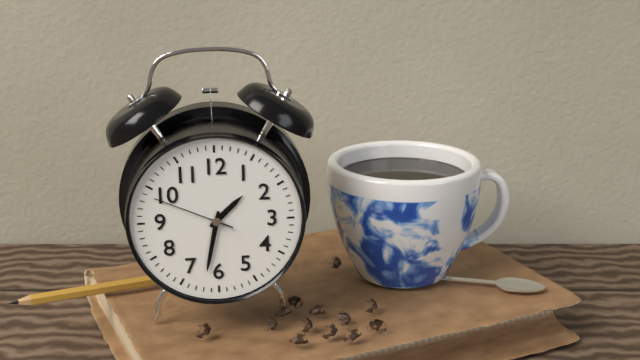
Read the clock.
1:32:49
